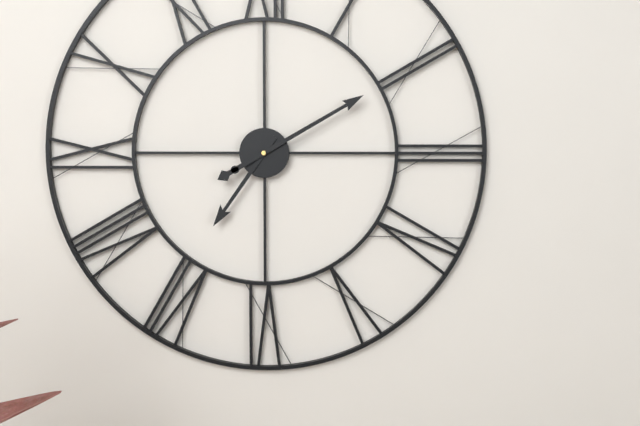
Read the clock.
7:10
